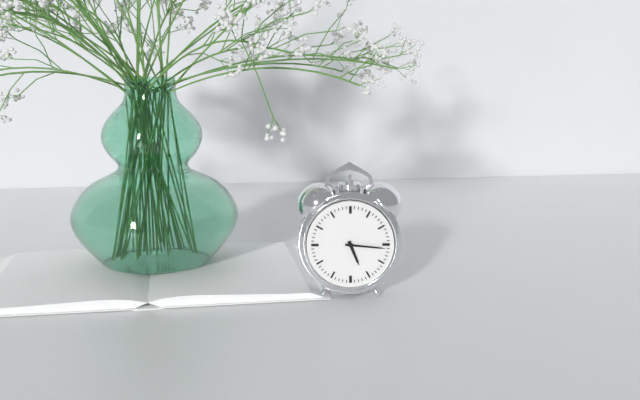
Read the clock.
5:16
